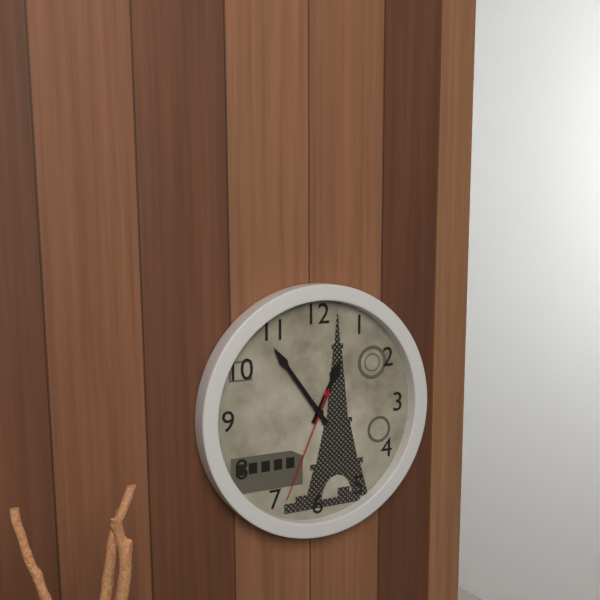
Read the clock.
12:54:34
